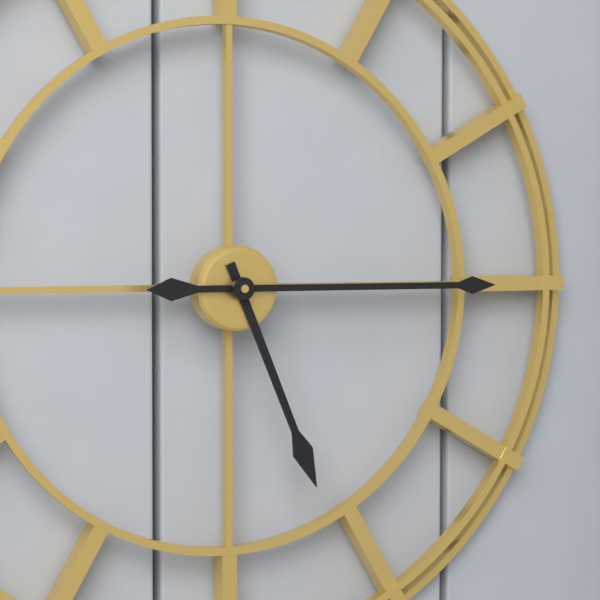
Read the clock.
5:15
